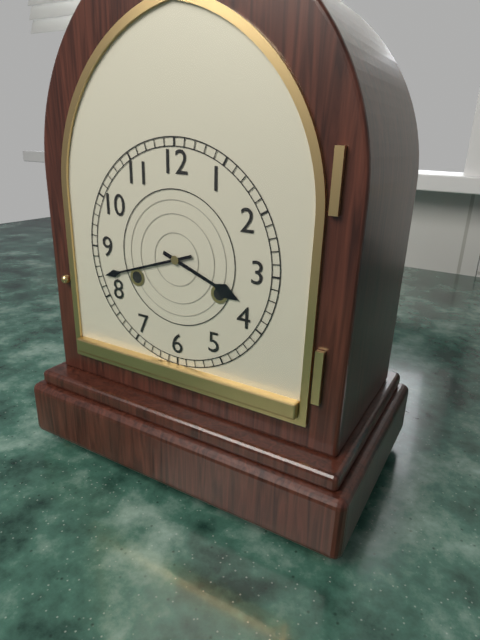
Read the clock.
3:42
